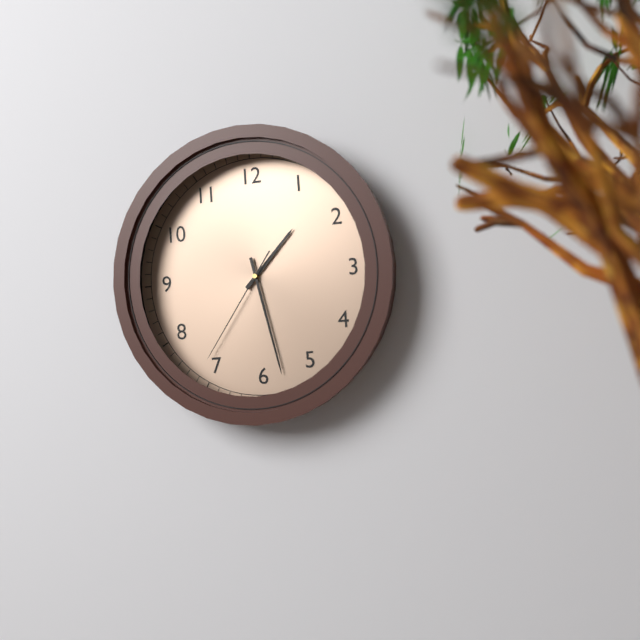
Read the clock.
1:28:36
